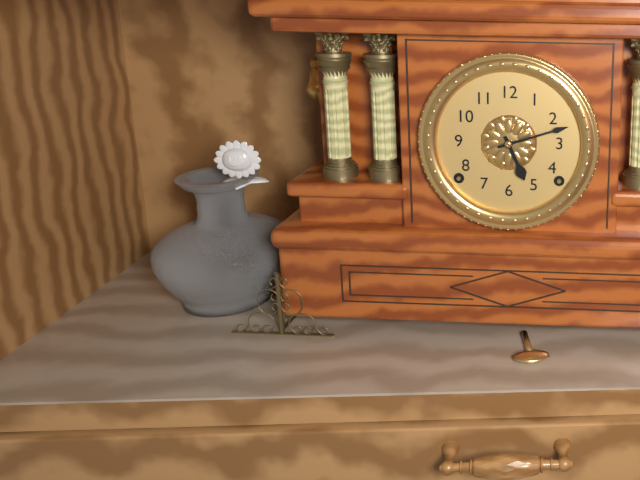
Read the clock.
5:12
